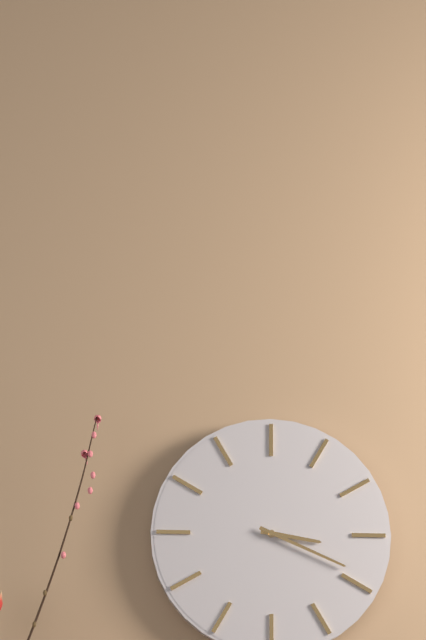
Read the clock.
3:19
